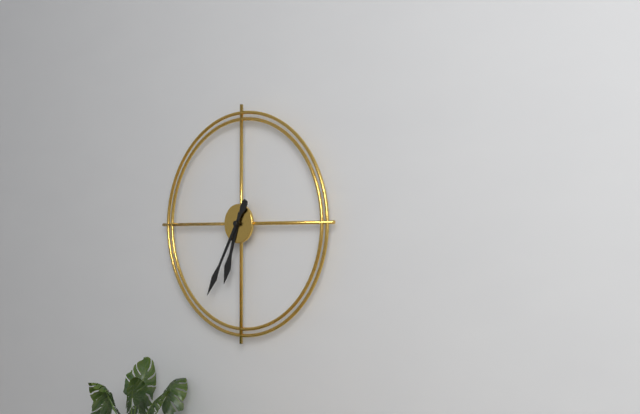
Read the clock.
6:35
